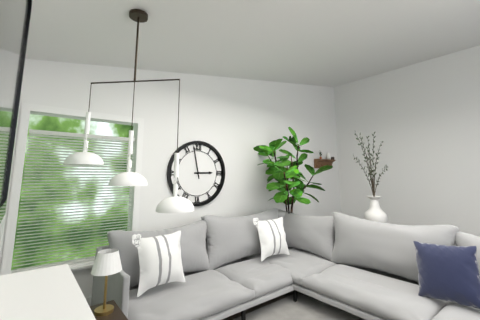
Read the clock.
2:58
